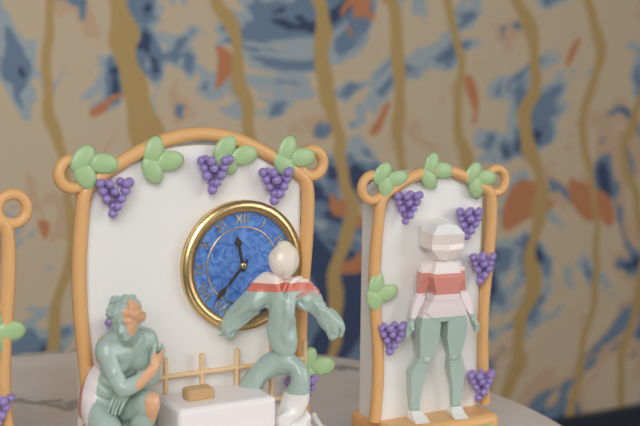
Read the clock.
11:37
